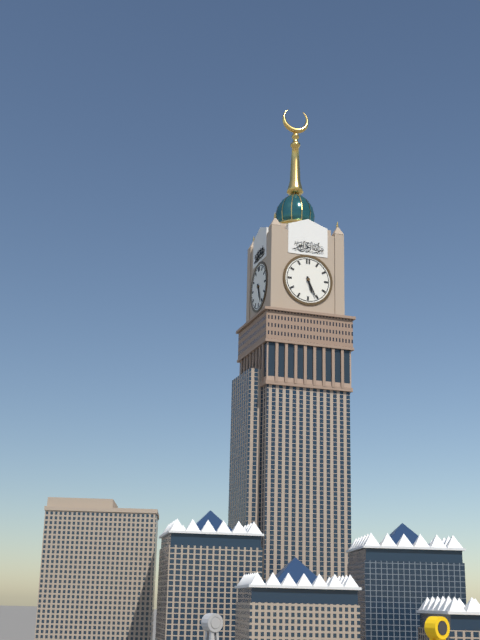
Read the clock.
5:26
